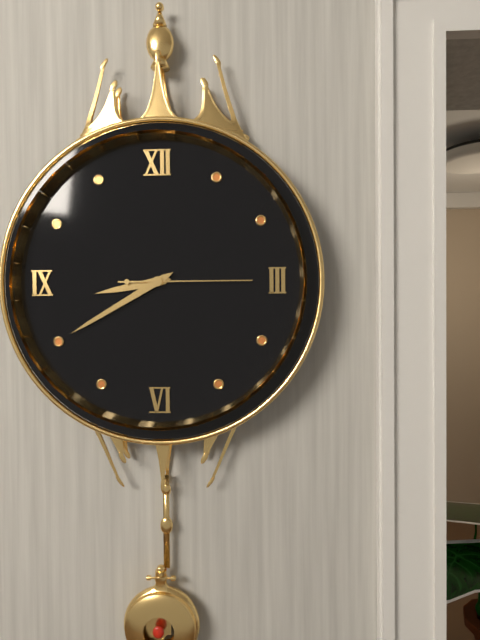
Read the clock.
8:40:15
